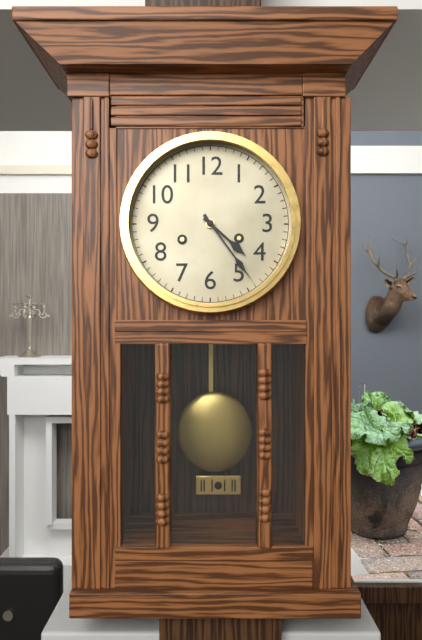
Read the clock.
4:24
